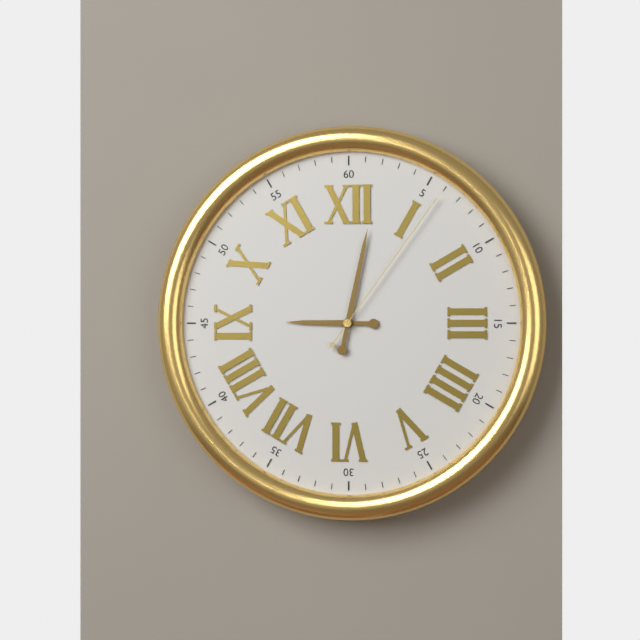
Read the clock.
9:02:06
